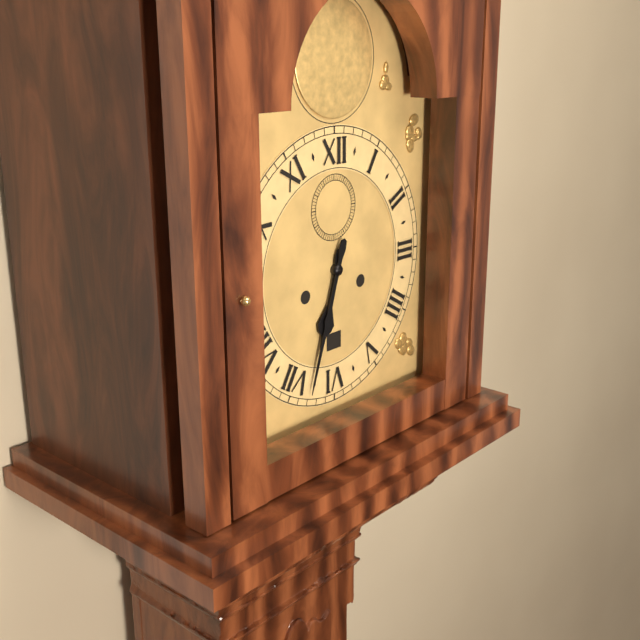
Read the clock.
6:33
